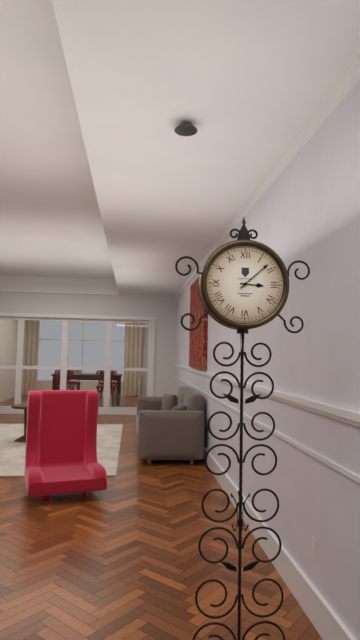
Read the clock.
3:08
